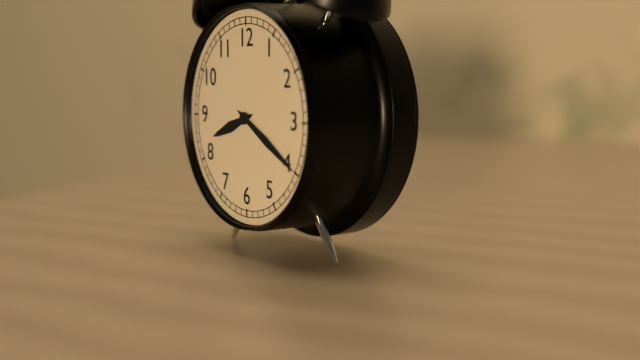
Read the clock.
8:20
